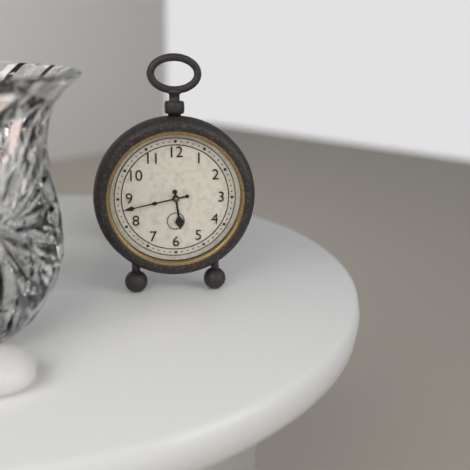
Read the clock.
5:43
